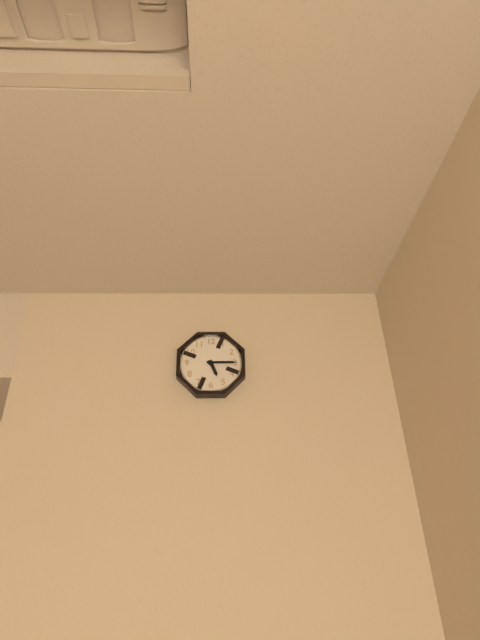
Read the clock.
5:15
